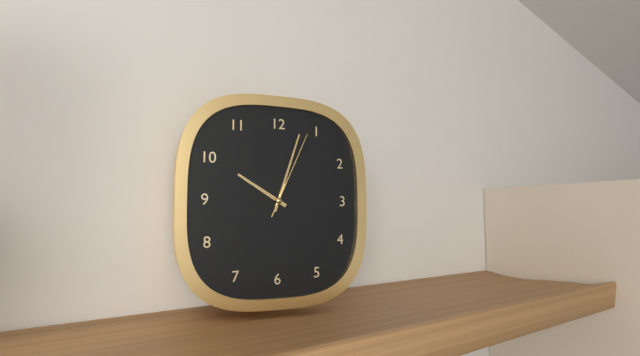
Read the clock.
10:03:04
